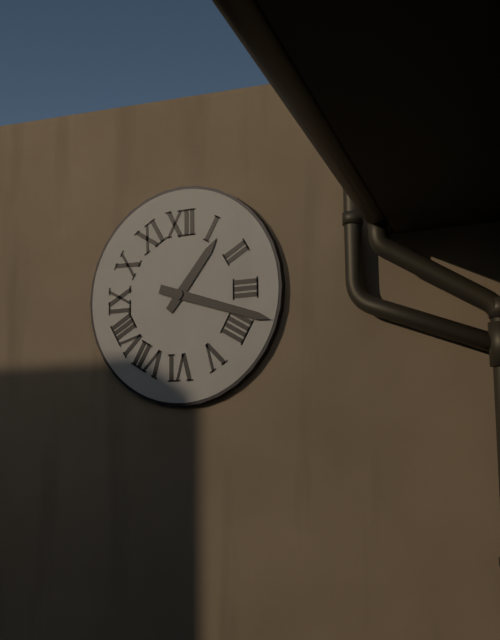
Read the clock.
1:18
